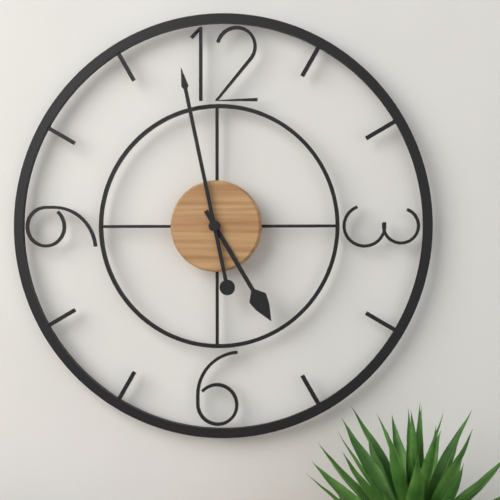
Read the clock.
4:58
